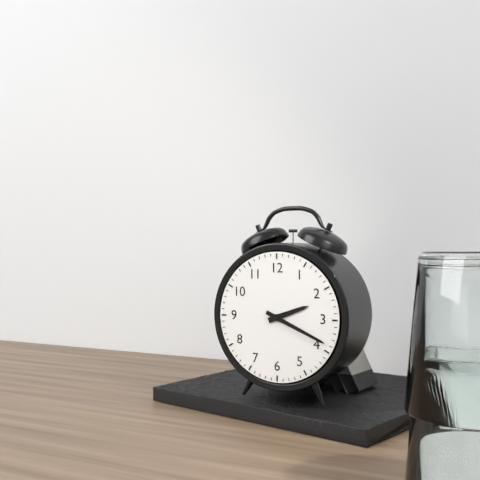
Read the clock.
2:19
